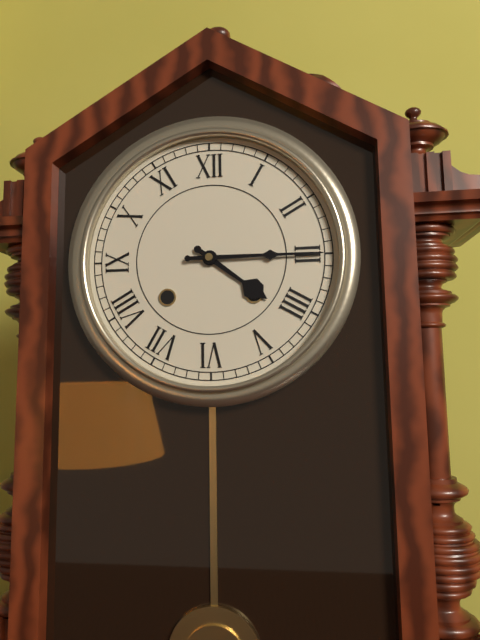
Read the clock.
4:15
